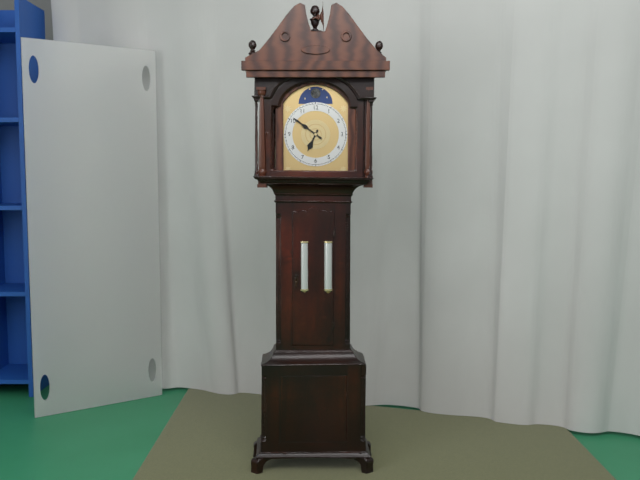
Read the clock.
6:51
